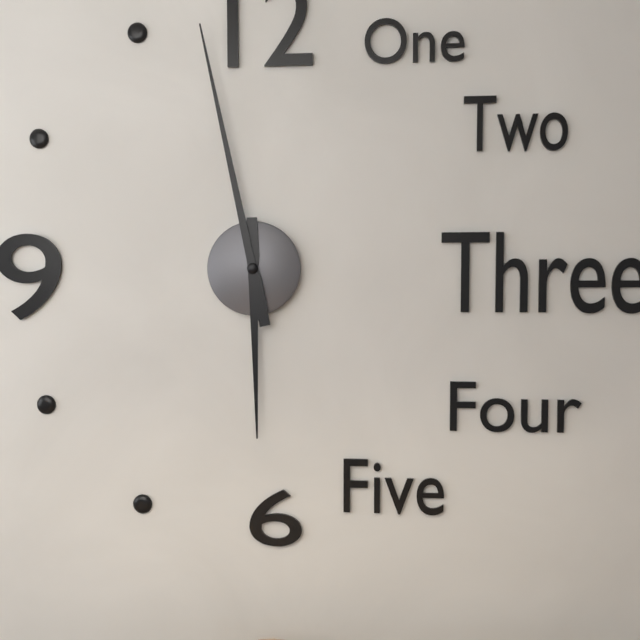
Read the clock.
5:58
